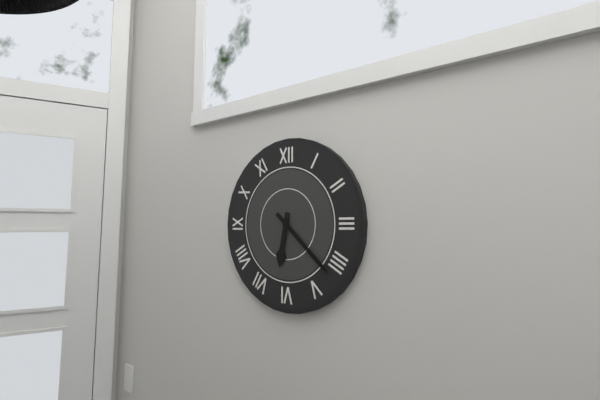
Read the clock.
6:22
